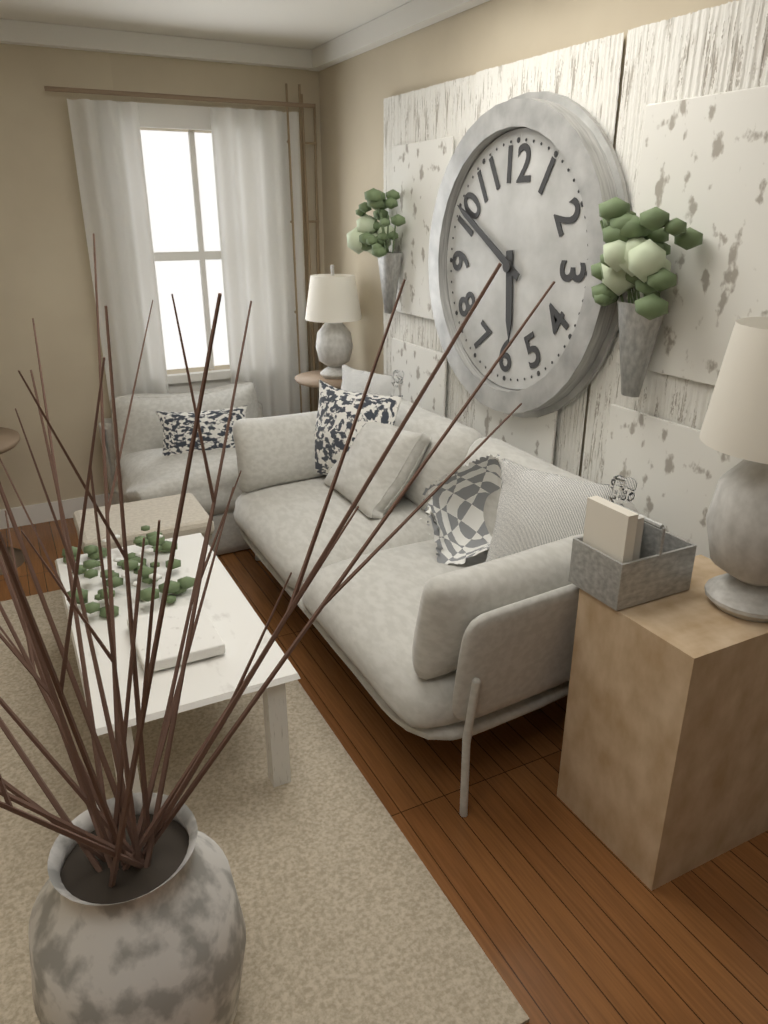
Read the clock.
5:50
